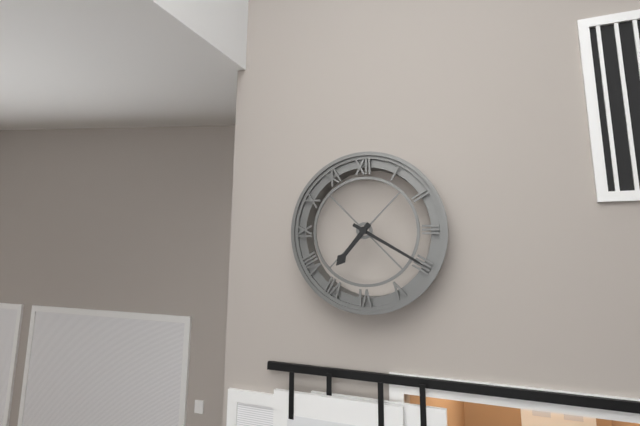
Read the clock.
7:20
